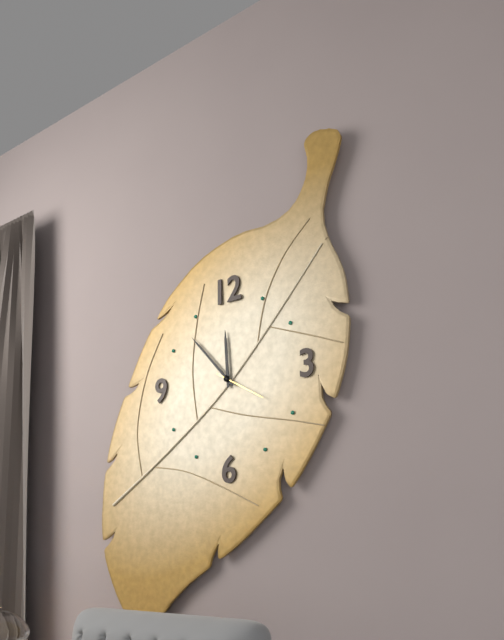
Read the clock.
11:53:20
